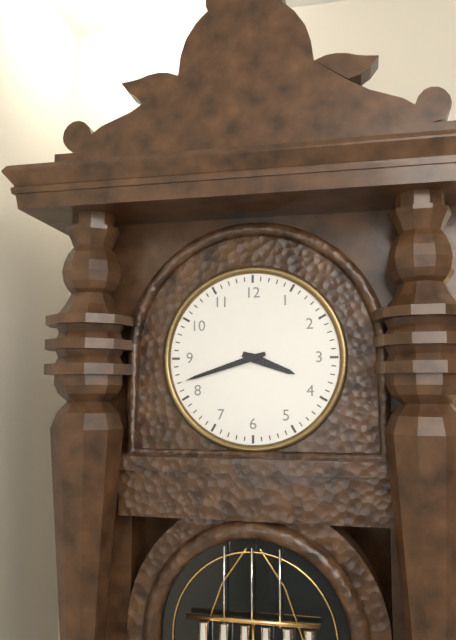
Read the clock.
3:42
